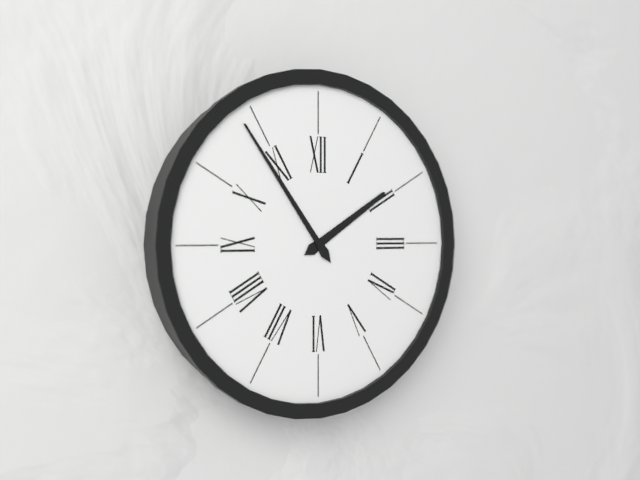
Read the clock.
1:54
